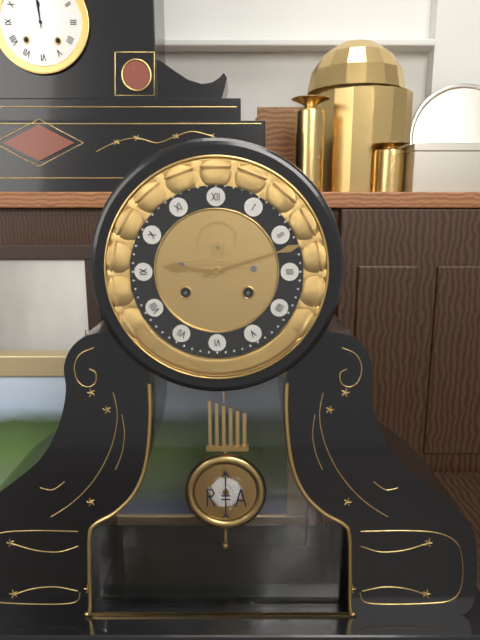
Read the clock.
9:12
